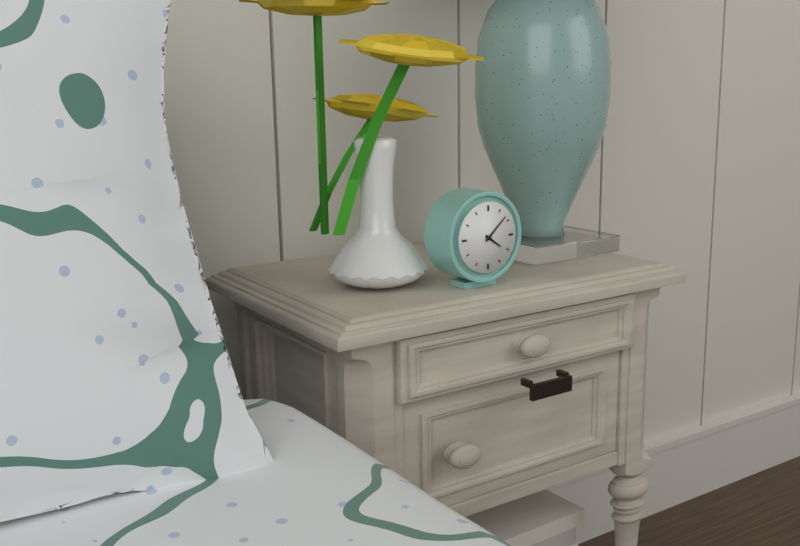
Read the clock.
4:08
